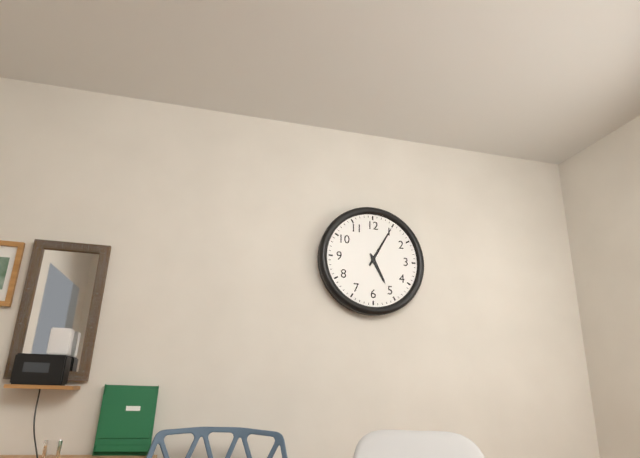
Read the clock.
5:05
